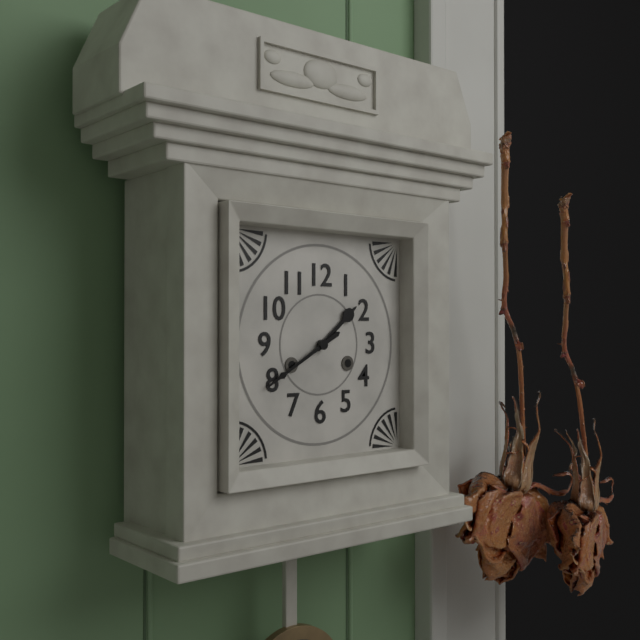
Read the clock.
1:40
